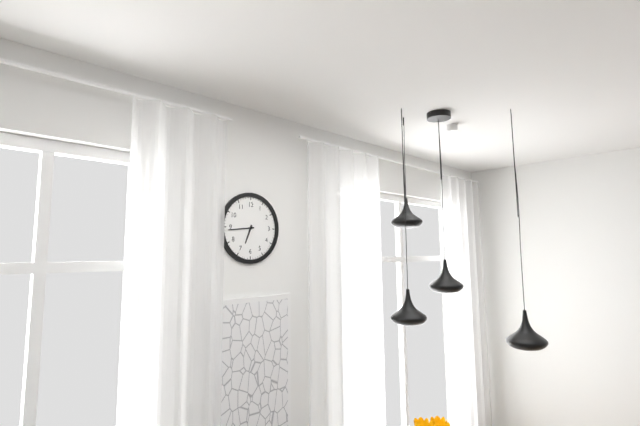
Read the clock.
6:44
